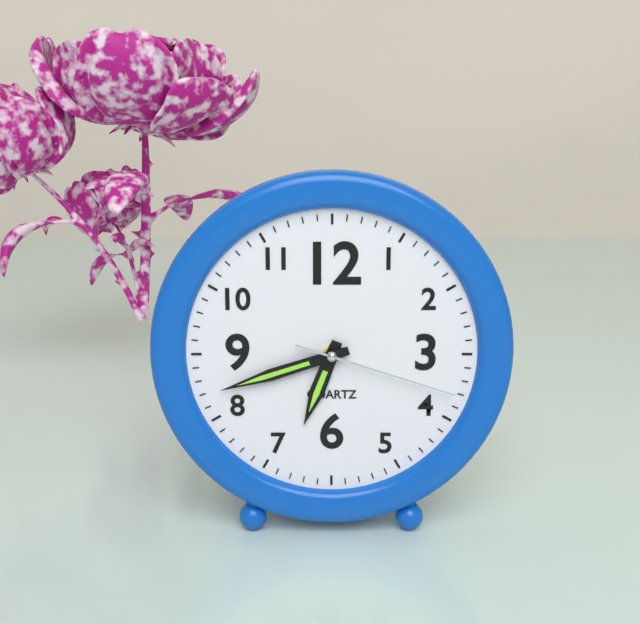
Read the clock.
6:42:18
